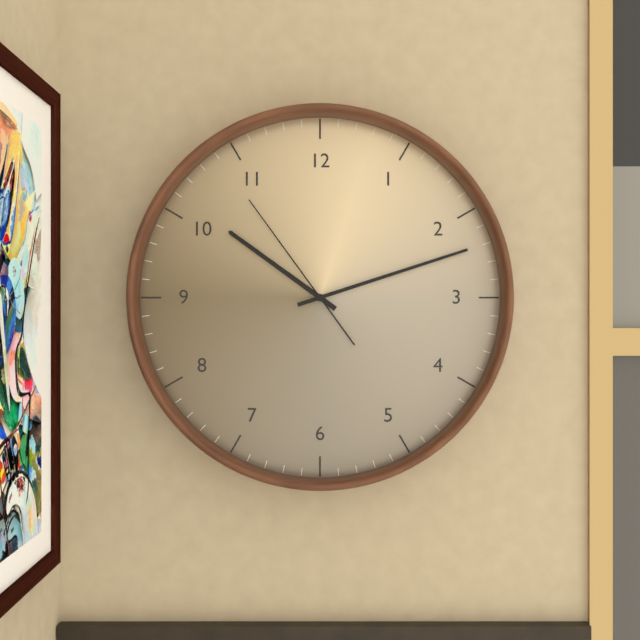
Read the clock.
10:12:54
